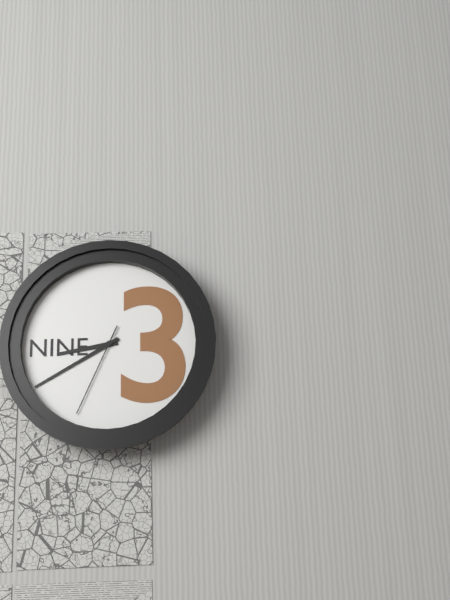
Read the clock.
8:40:34
